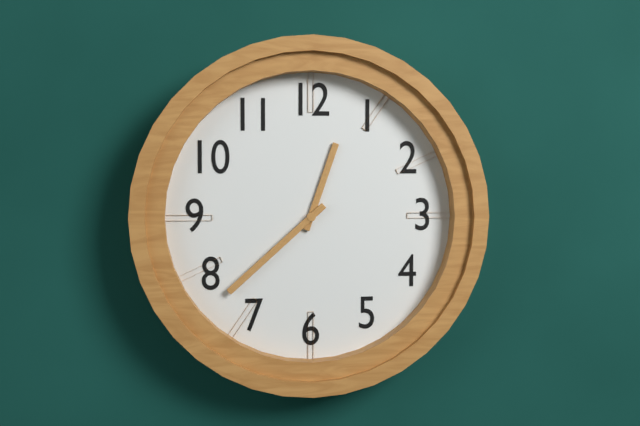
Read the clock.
12:38
